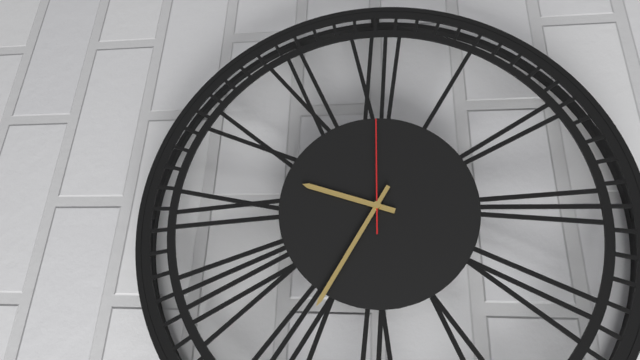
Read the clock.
9:35:00
